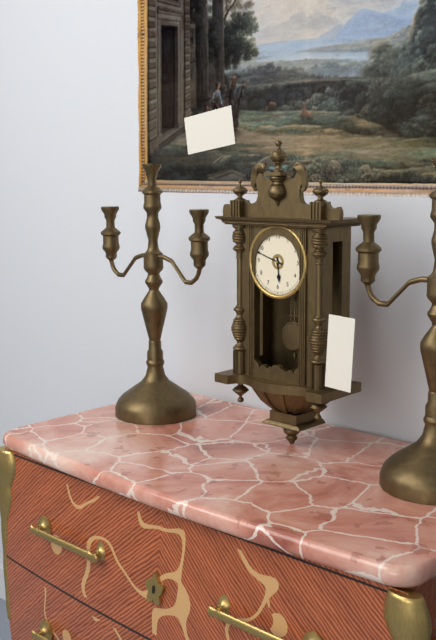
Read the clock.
5:48
